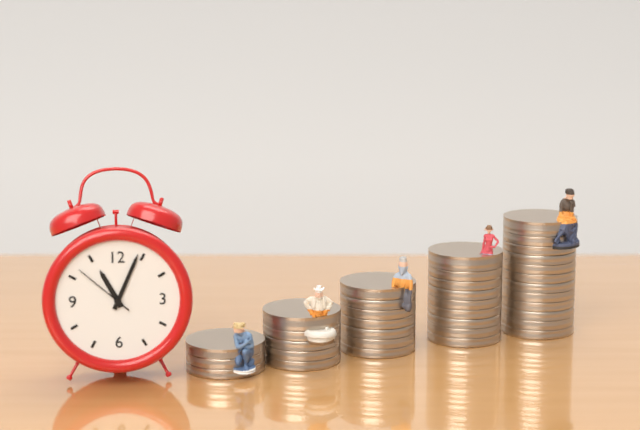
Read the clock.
11:04:52
